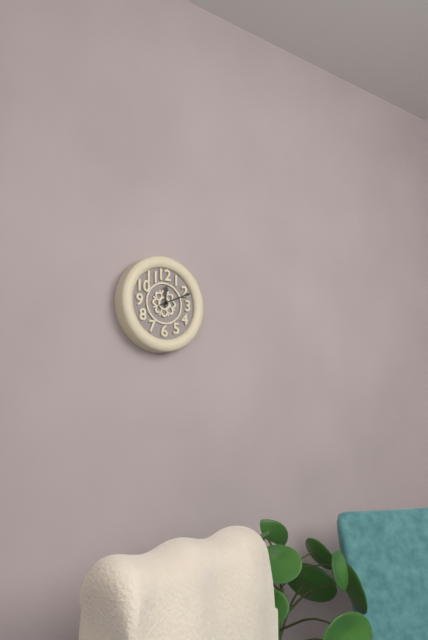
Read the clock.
12:11
